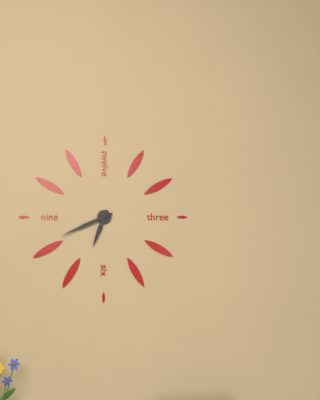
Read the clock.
6:41
